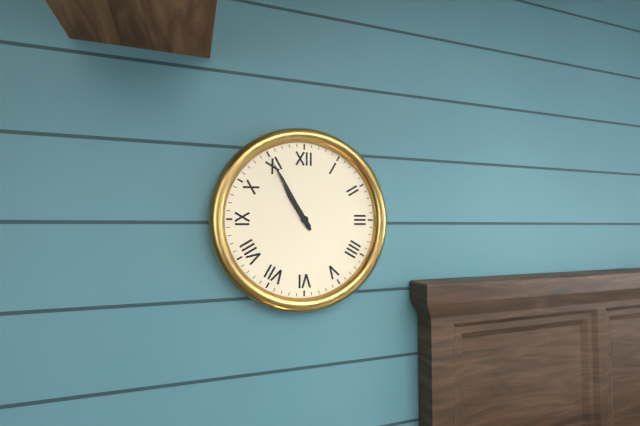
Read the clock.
10:55
